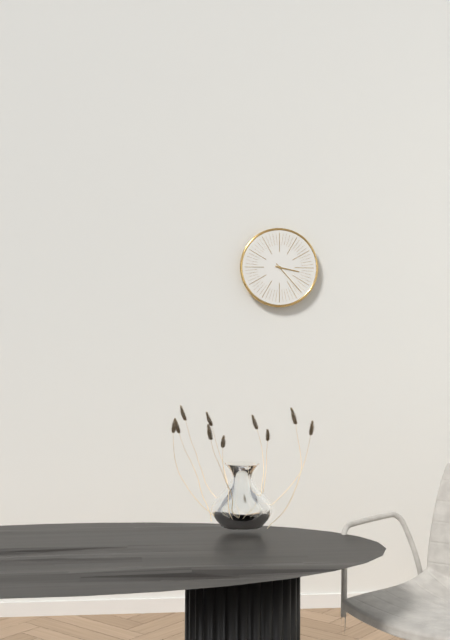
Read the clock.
3:23
